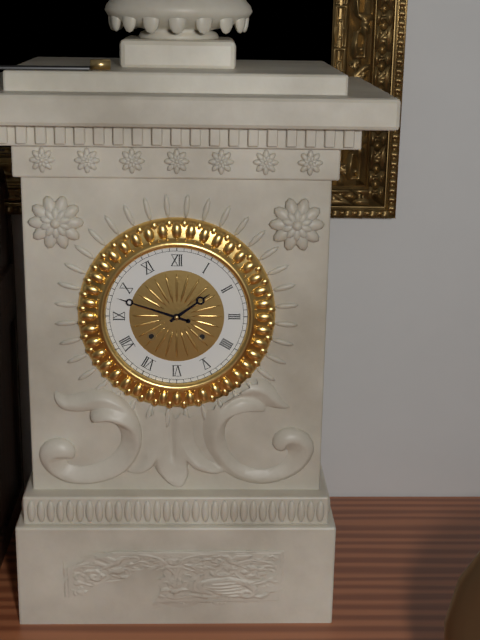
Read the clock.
1:48
